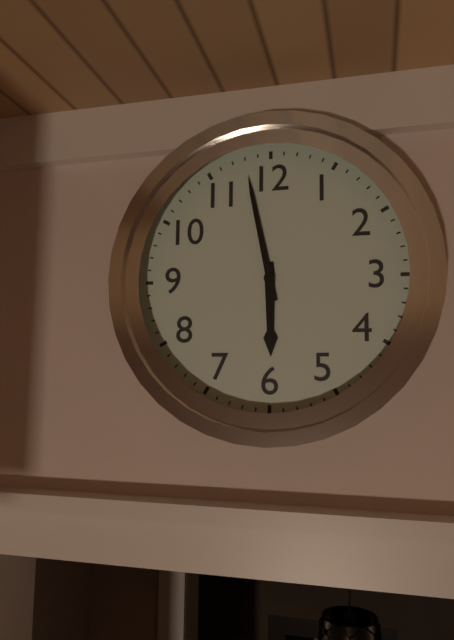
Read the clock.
5:58
